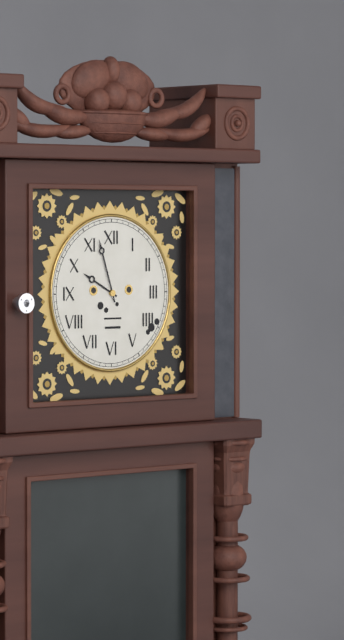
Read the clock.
9:57
